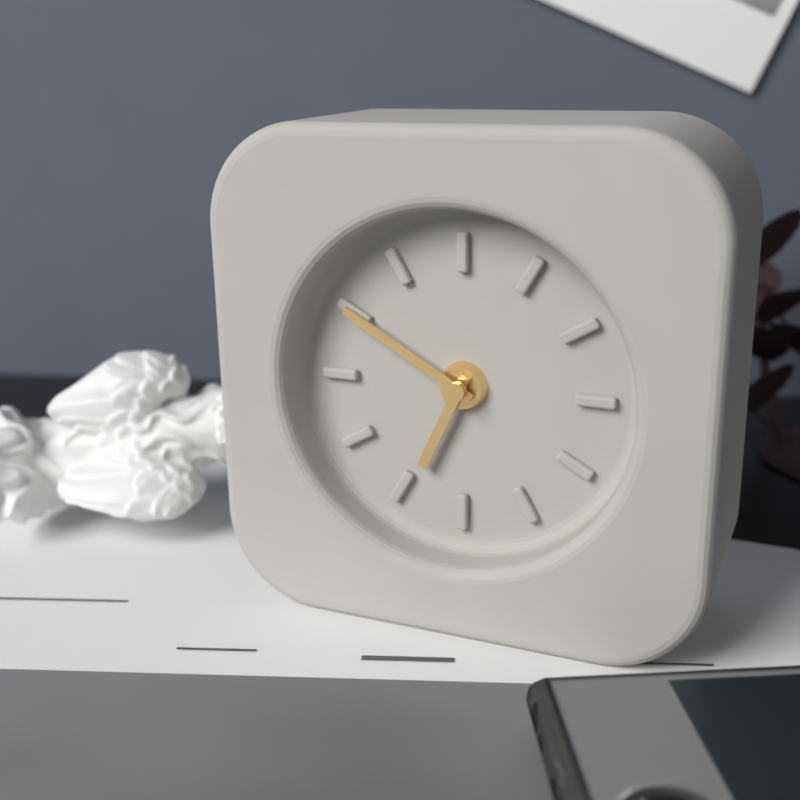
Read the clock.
6:50
